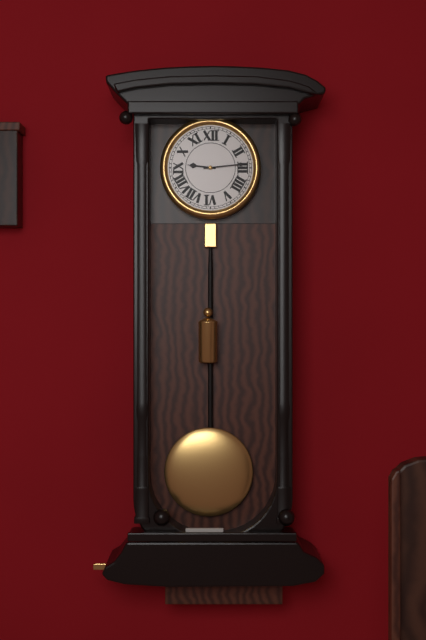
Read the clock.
9:14
